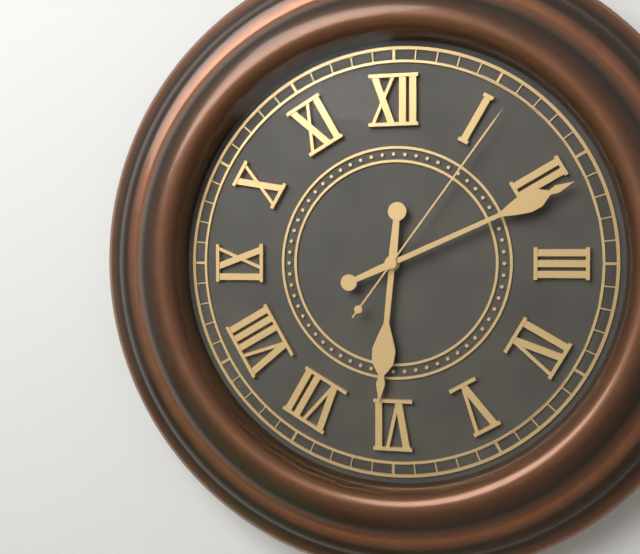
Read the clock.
6:11:06
